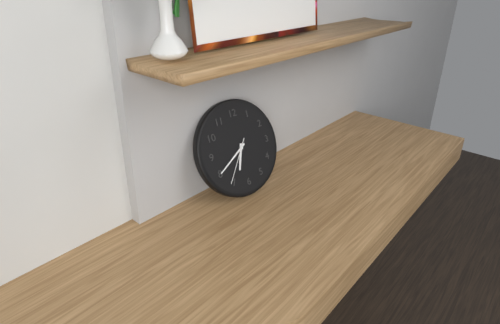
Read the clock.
6:40
